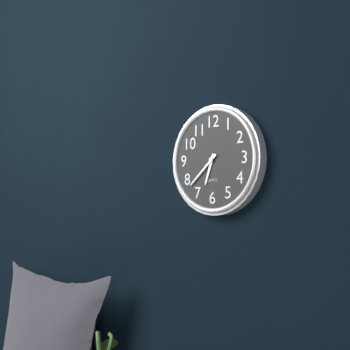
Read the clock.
6:38
